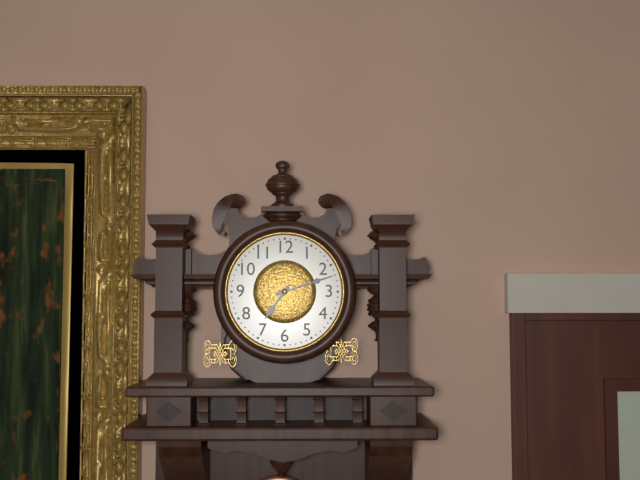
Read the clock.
7:12
